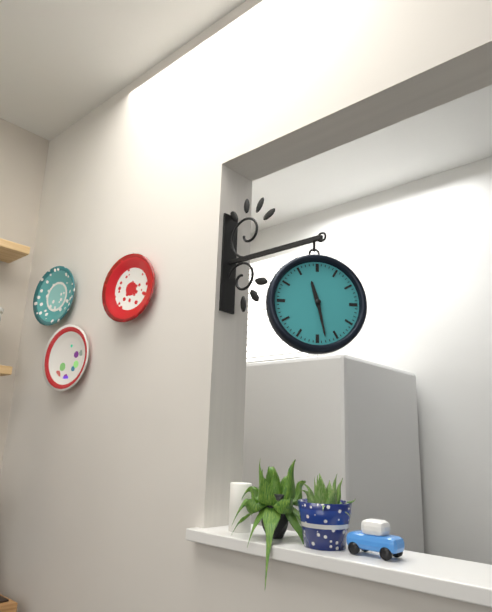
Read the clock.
11:28
